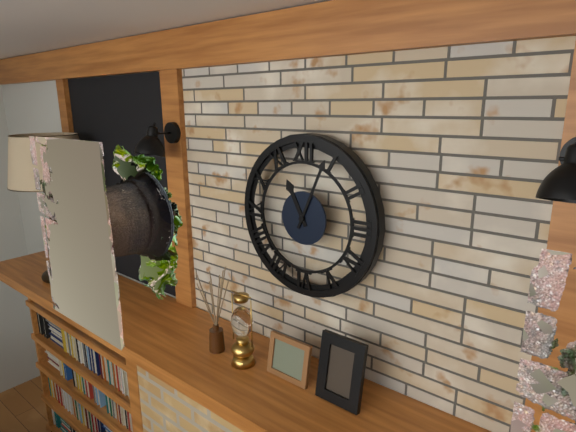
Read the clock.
11:04
